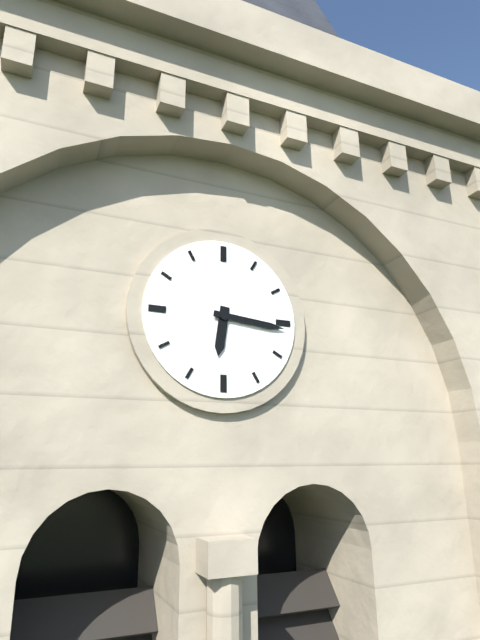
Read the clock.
6:16
